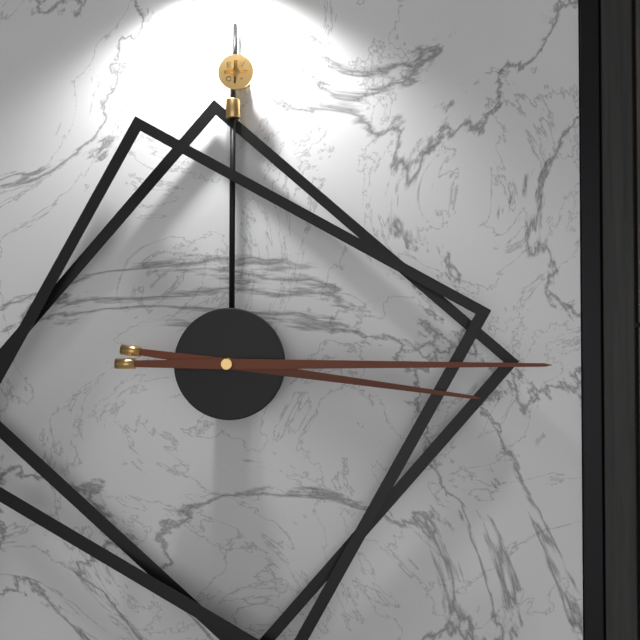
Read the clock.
3:15
